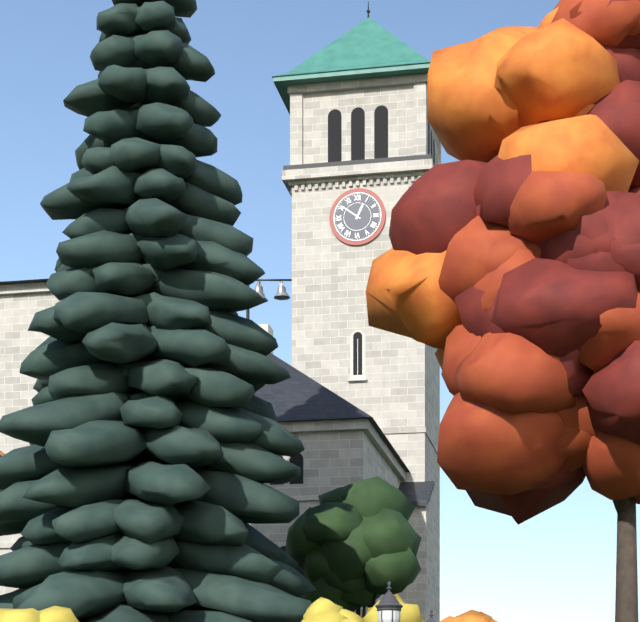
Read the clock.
12:51
